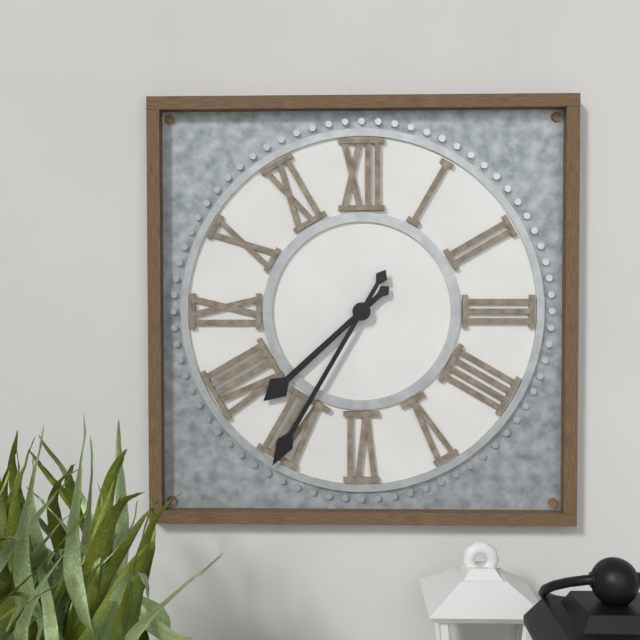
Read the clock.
7:35
